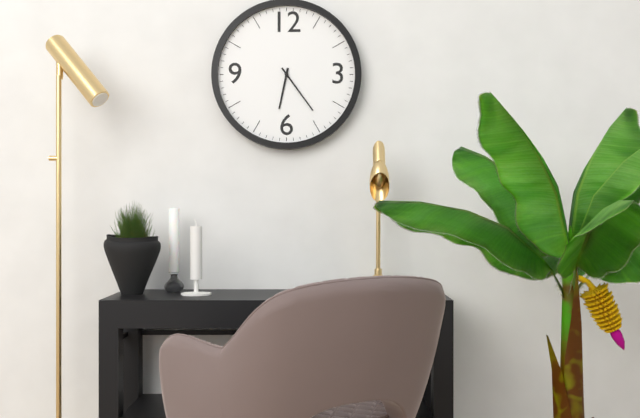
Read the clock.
6:24
